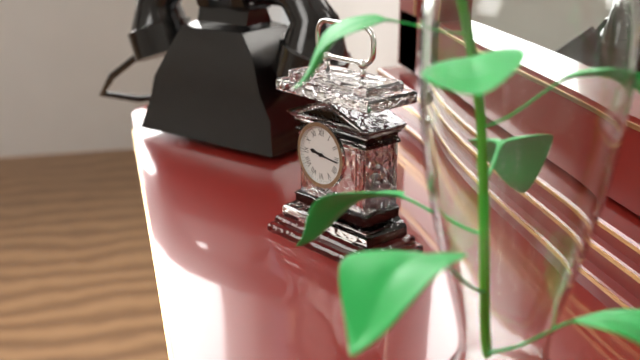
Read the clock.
9:16
